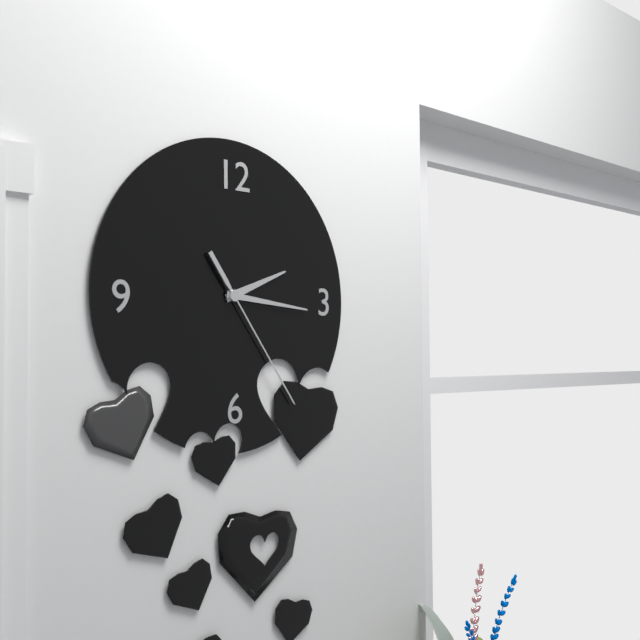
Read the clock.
2:16:24
